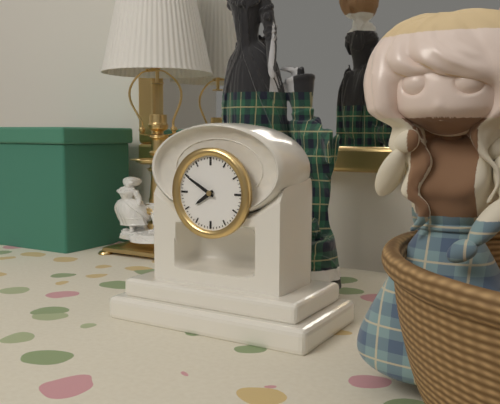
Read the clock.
7:50
